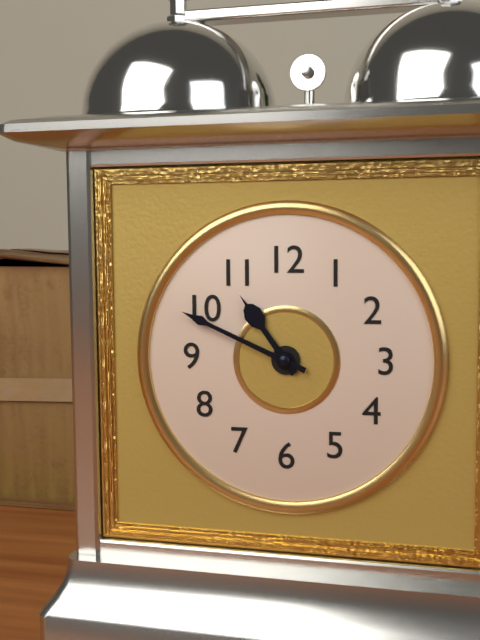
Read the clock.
10:49
